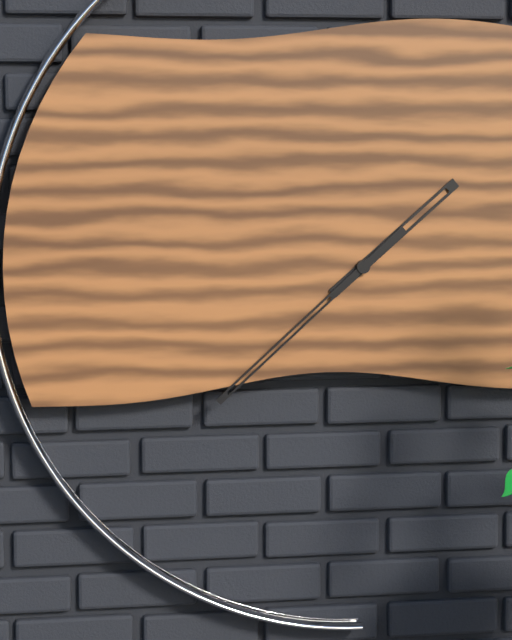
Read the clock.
1:38
